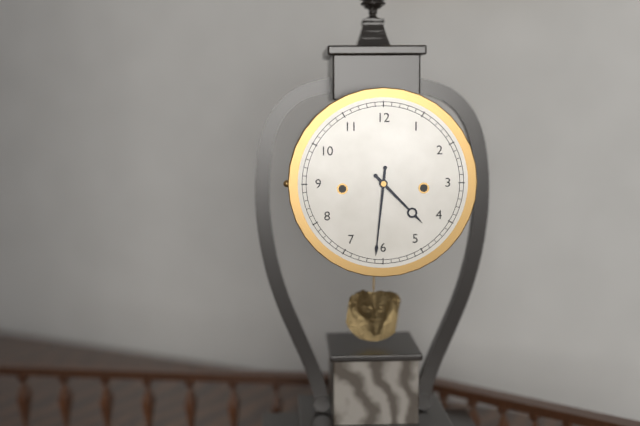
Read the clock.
4:31
